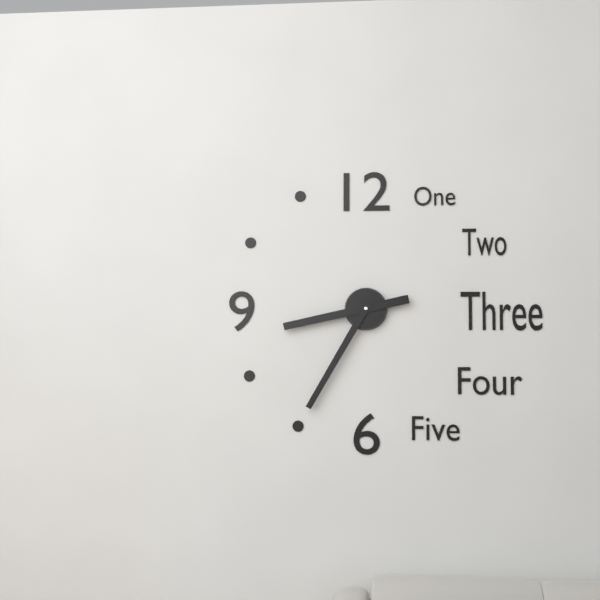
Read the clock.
8:35
